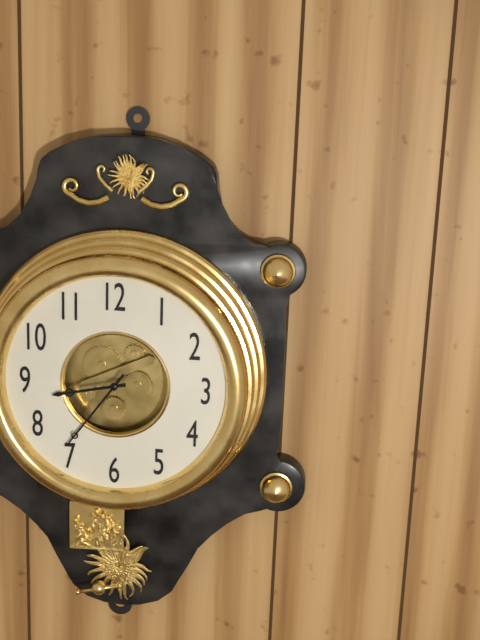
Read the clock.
8:36
